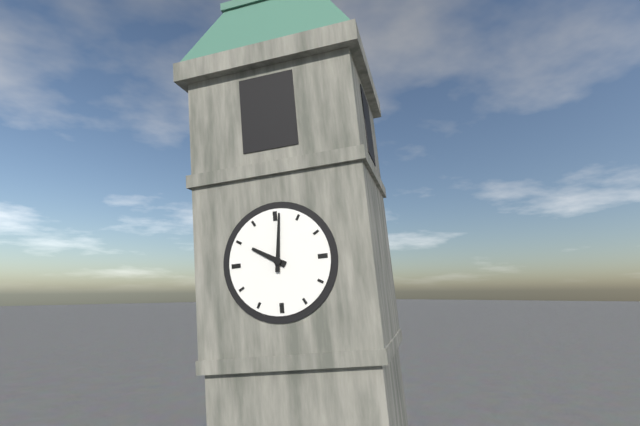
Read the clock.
10:01
